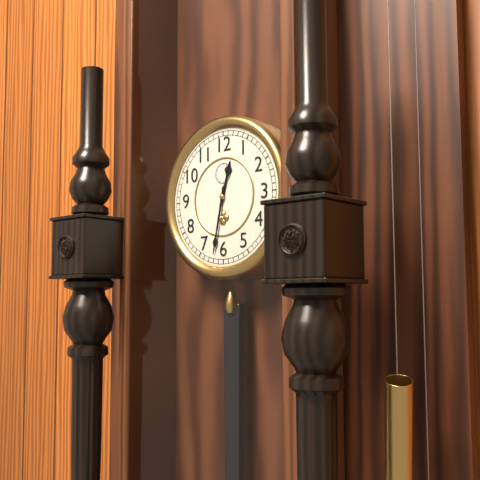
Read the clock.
12:32
